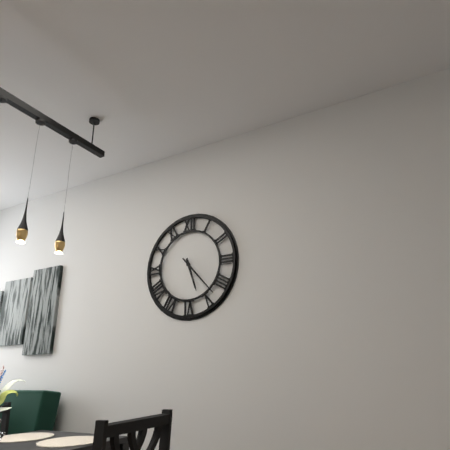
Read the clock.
5:23
